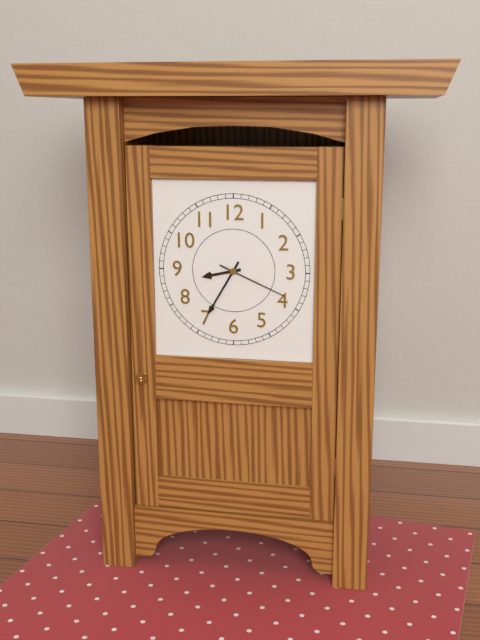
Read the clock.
8:35:19
